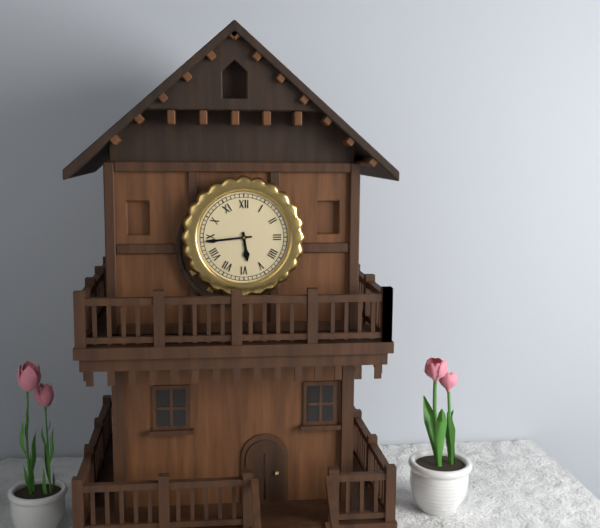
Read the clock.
5:44
